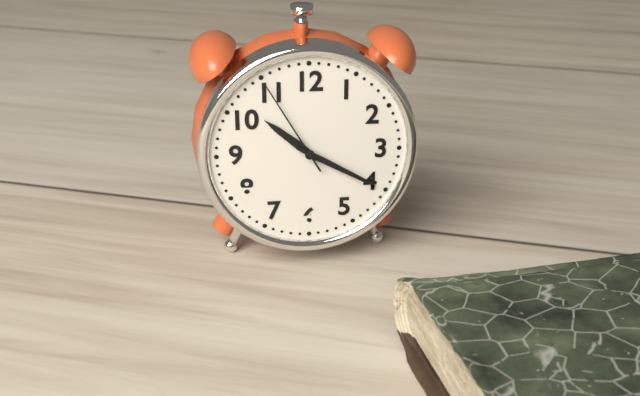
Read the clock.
10:20:55
